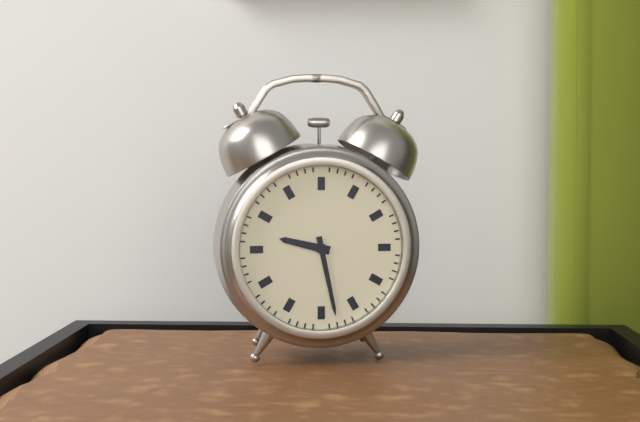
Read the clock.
9:28
